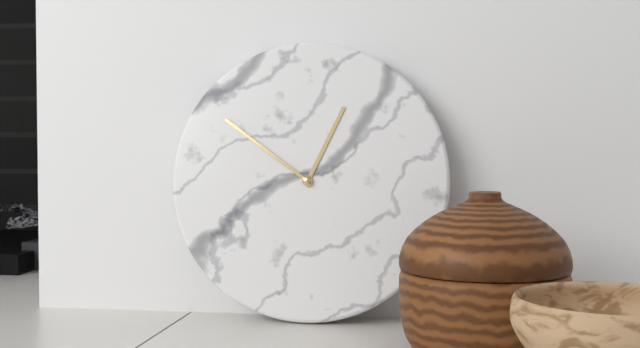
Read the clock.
12:51
